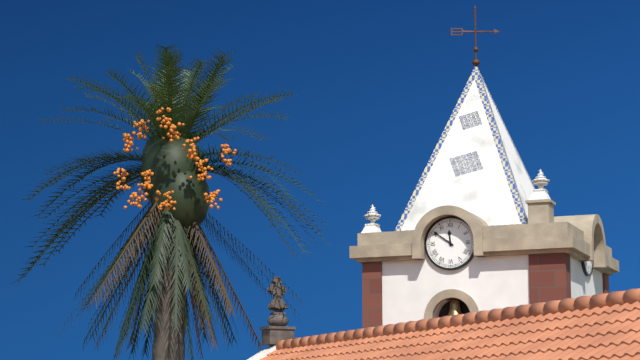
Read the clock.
11:51
